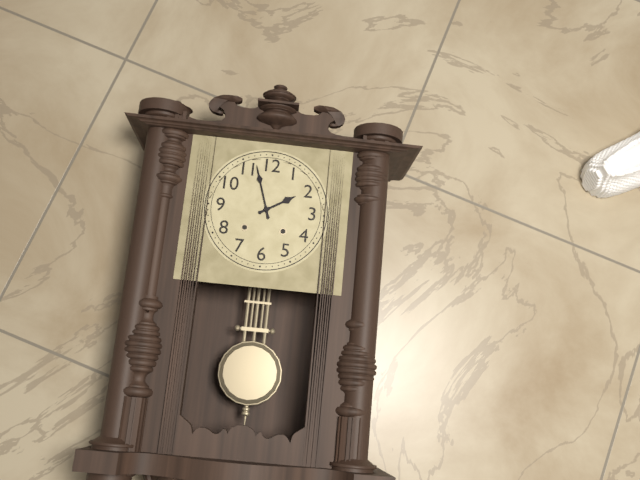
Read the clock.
1:57
